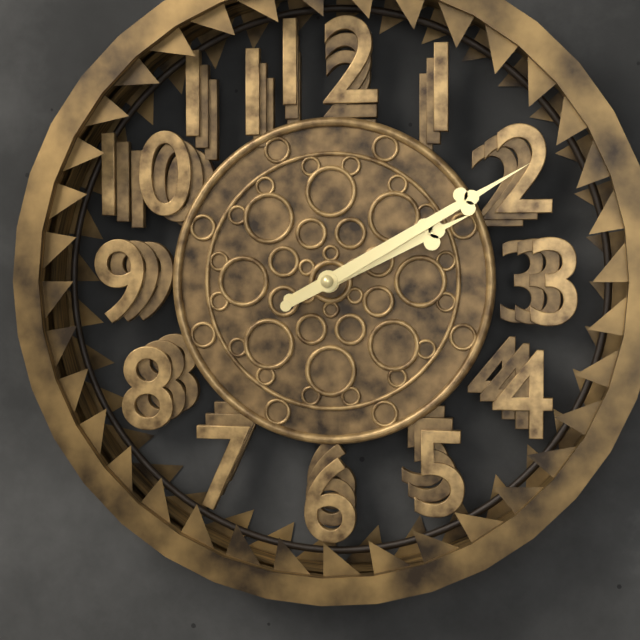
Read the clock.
2:10
